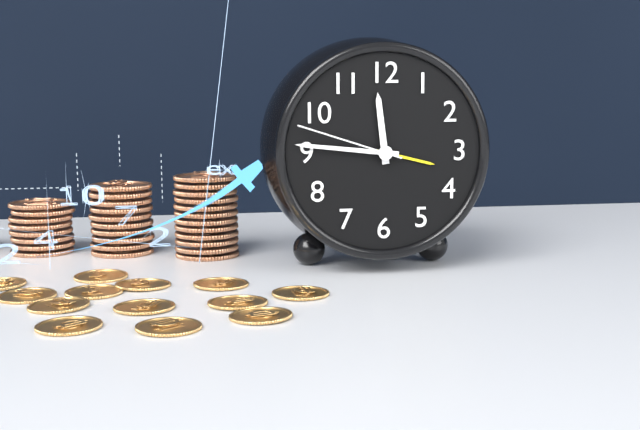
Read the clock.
11:46:48
